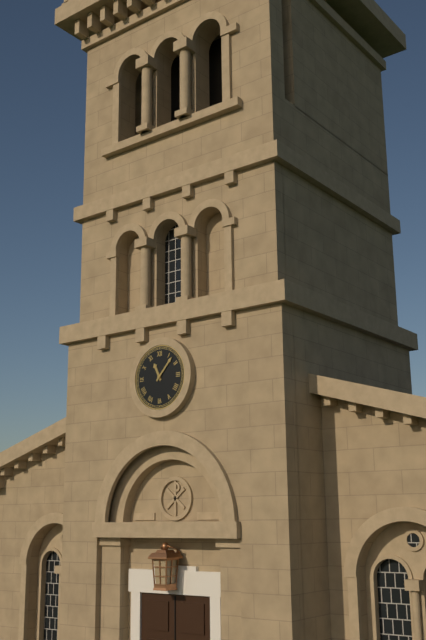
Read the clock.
11:07
